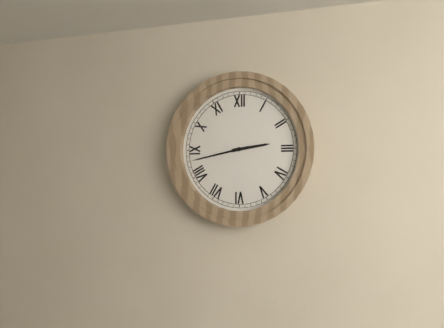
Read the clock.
2:43
